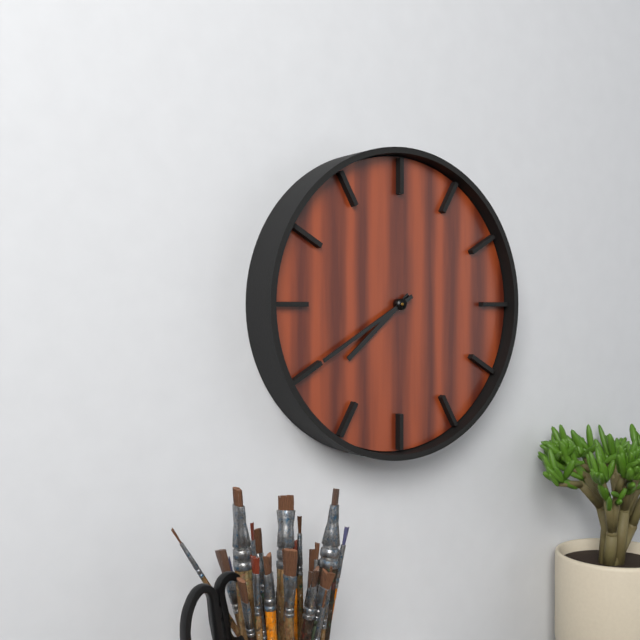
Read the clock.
7:40
